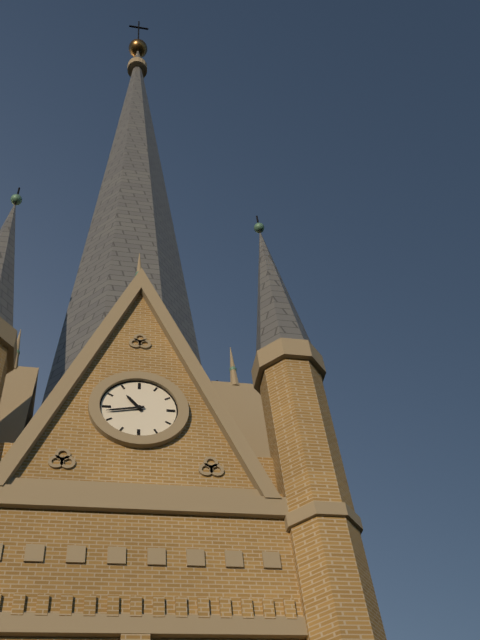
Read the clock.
10:43
